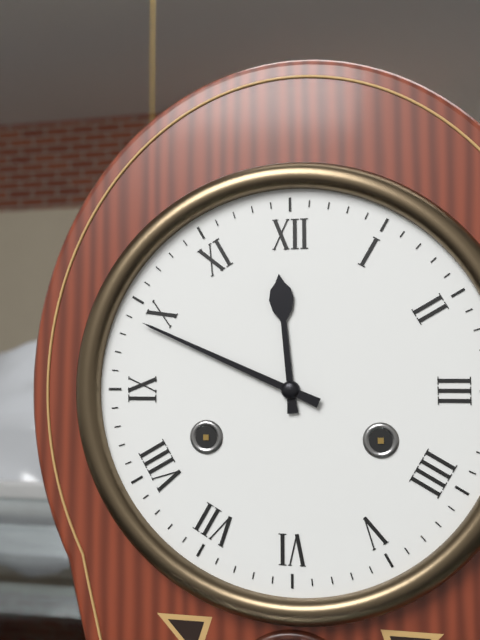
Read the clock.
11:49
